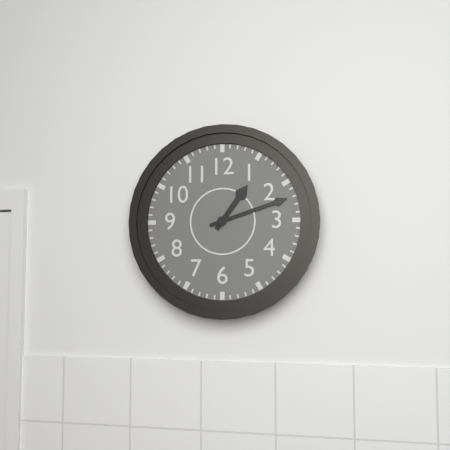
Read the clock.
1:12
